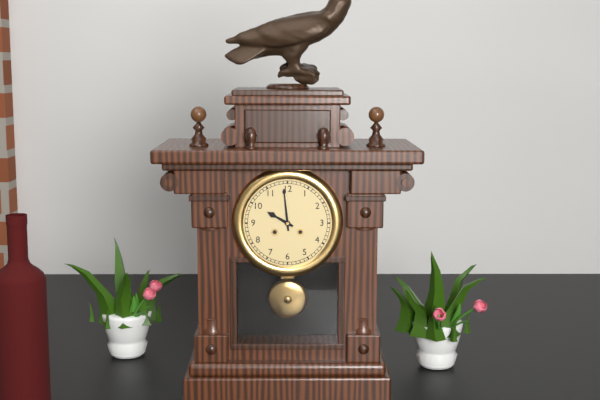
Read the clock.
9:59
